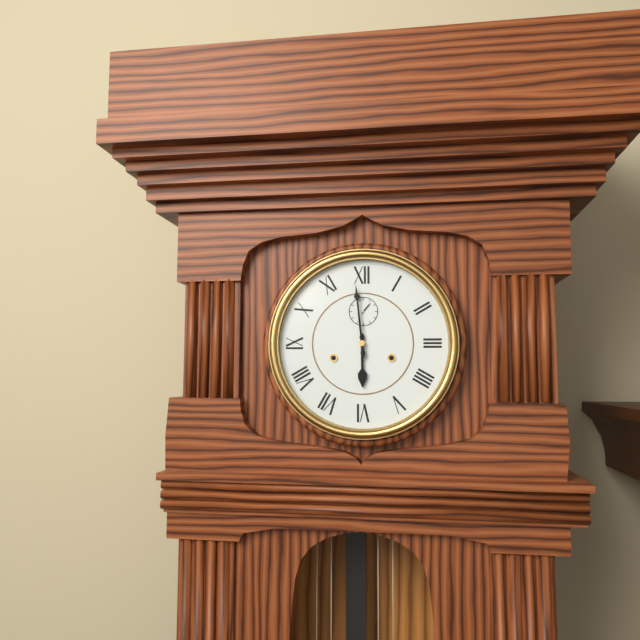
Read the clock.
5:59
